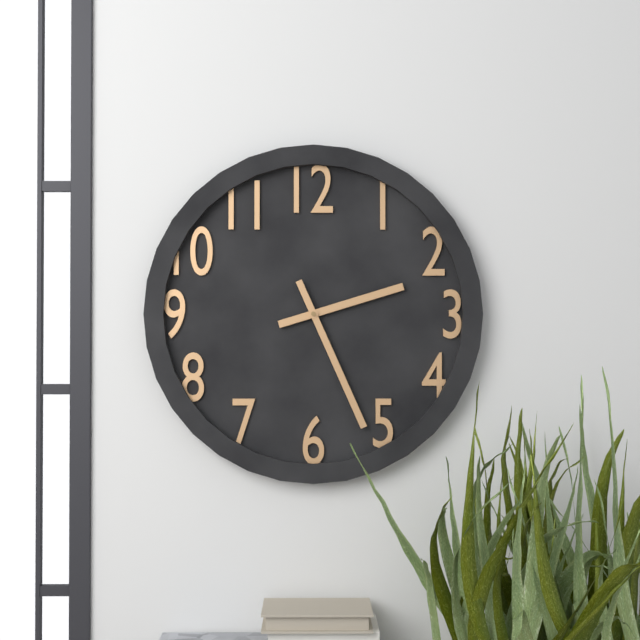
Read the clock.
2:26
